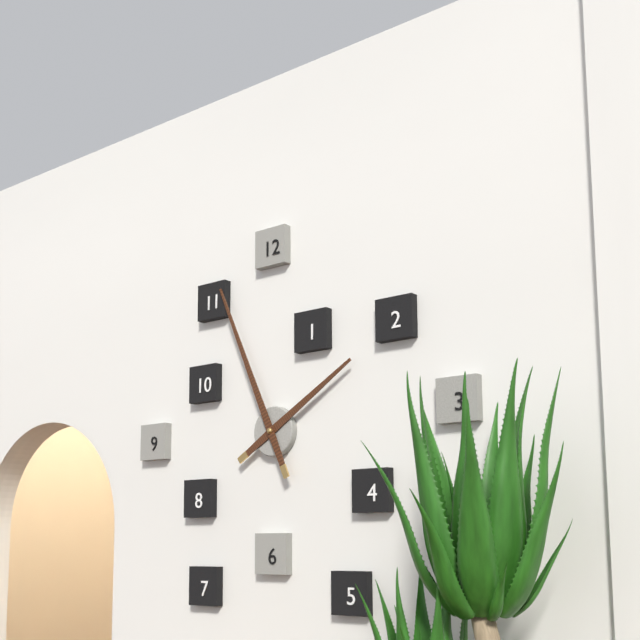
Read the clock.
1:56
